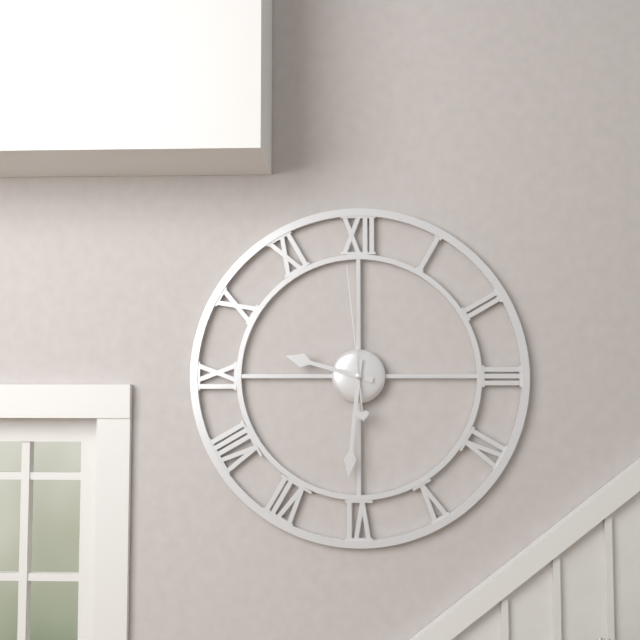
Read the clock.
9:31:59
